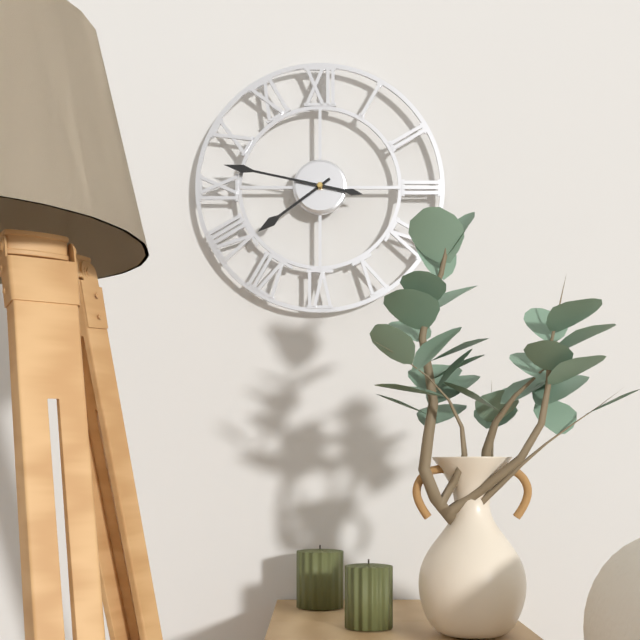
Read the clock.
7:47
